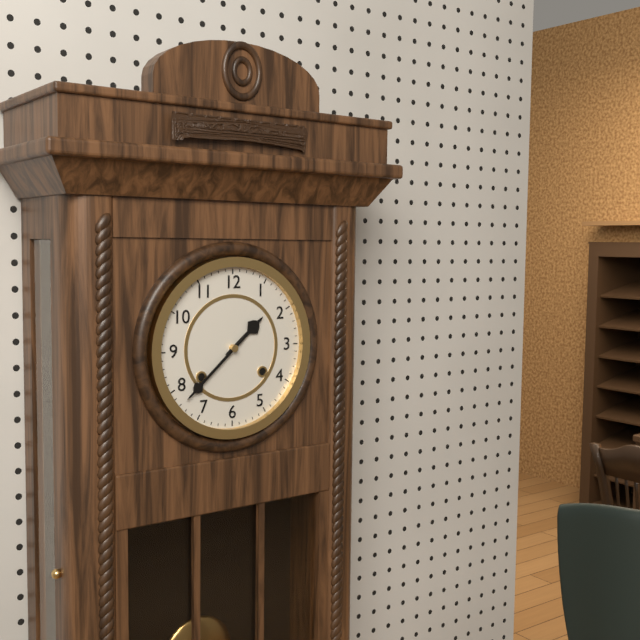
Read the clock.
1:38
